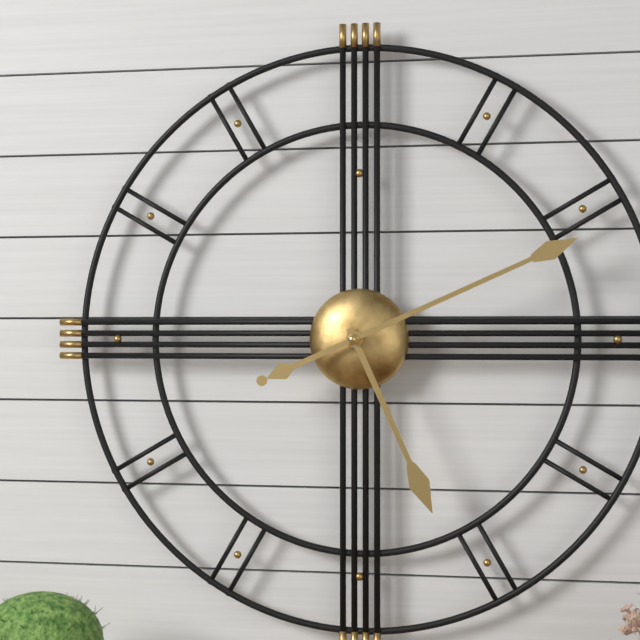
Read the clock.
5:11
